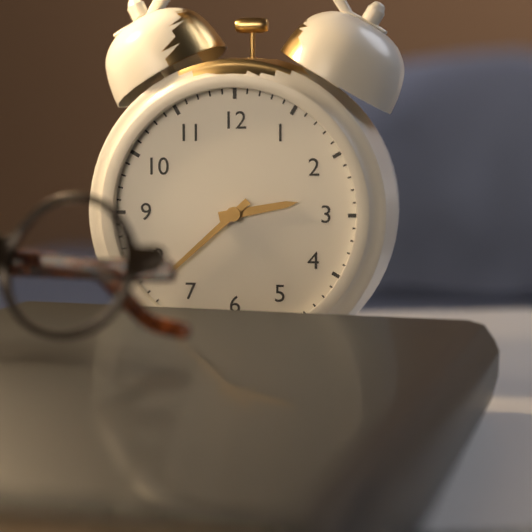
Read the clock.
2:38
